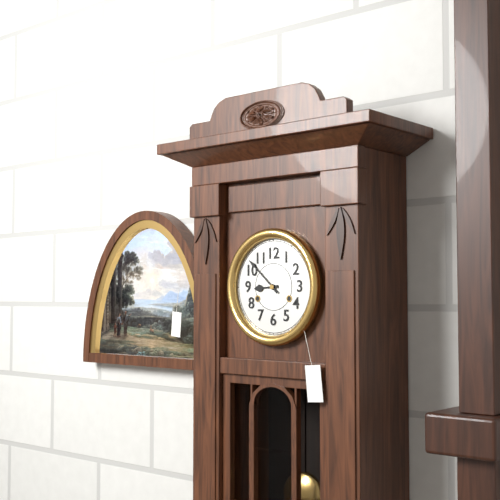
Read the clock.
8:52
